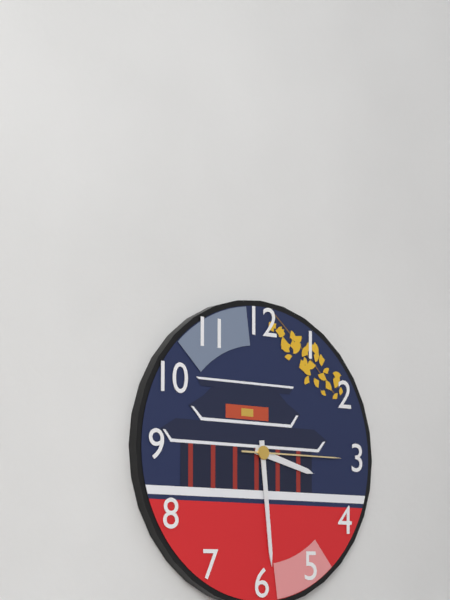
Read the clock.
3:29:15
